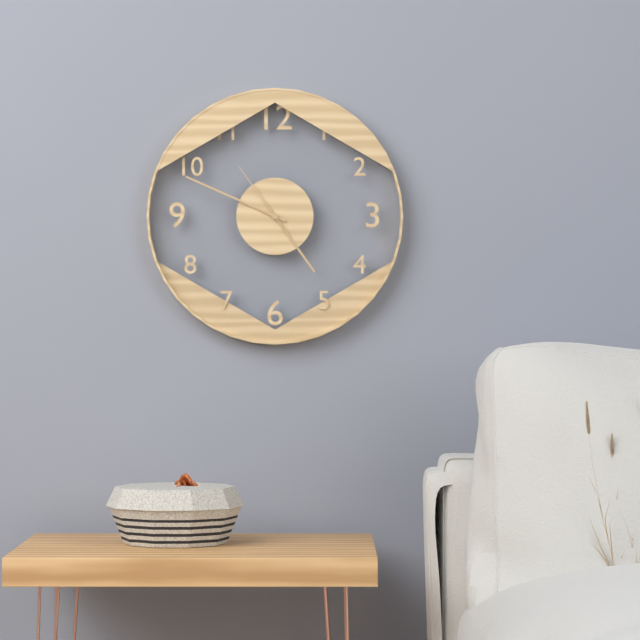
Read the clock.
4:49:54
